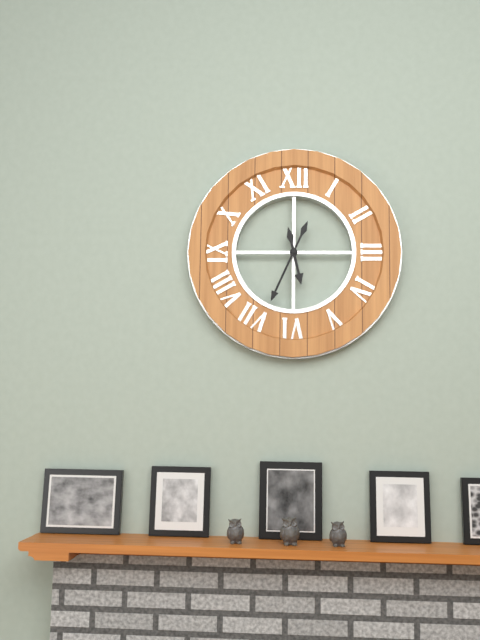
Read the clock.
5:34
